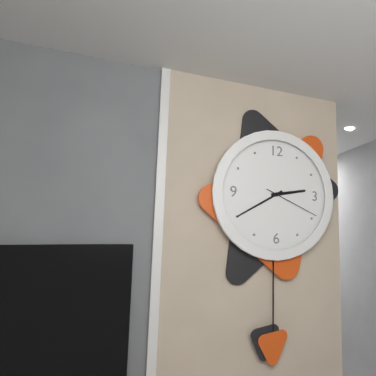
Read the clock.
2:40:19
